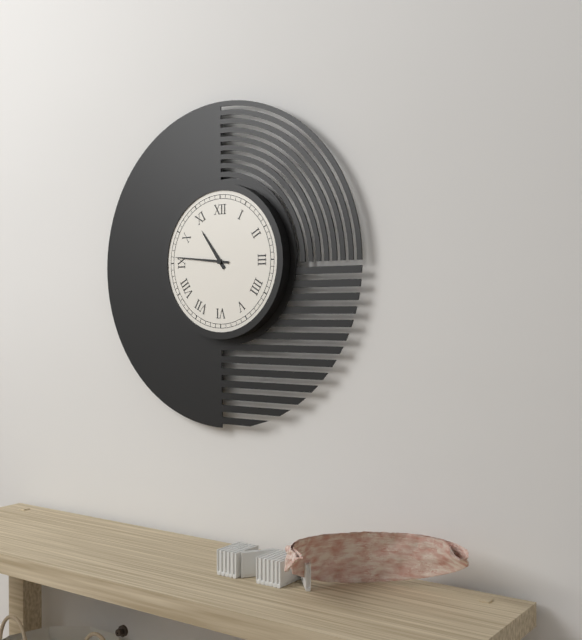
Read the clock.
10:46
